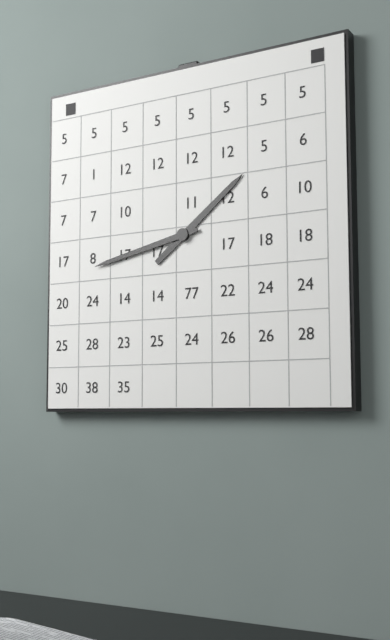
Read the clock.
1:43
